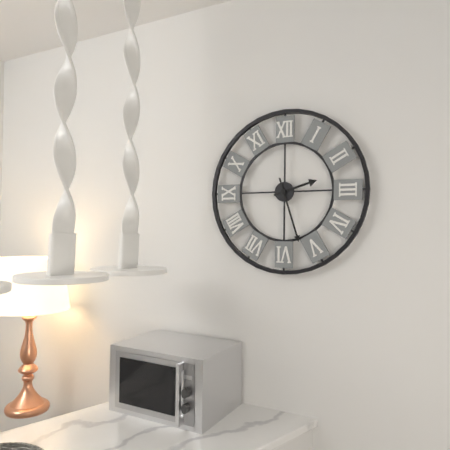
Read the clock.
2:27
